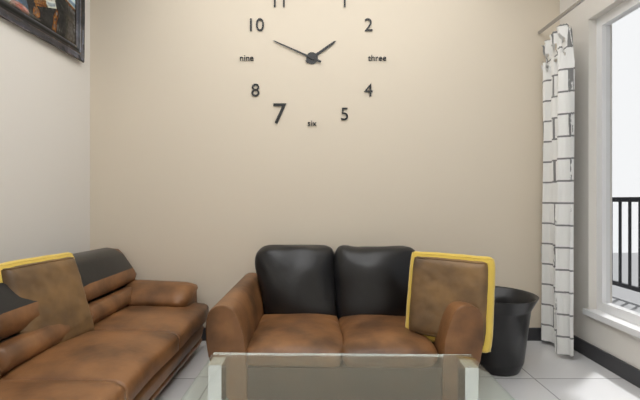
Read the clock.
1:49
